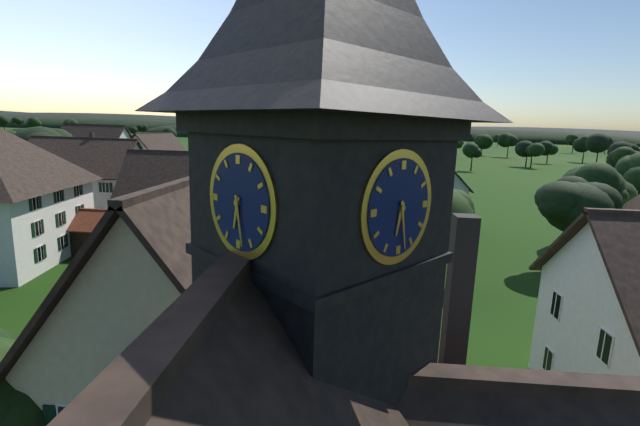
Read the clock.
6:28
